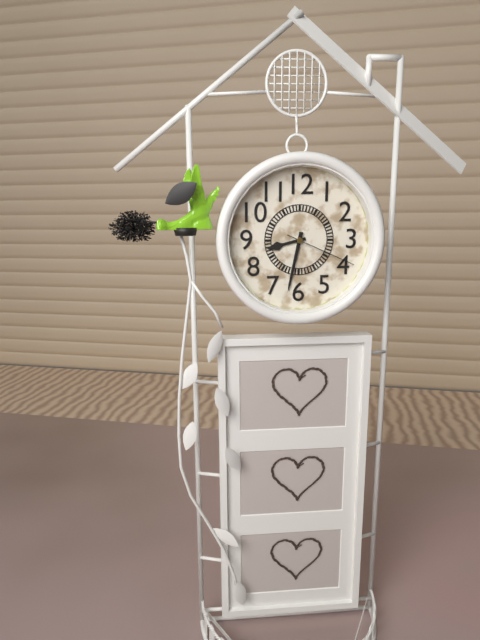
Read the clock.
8:32:19
